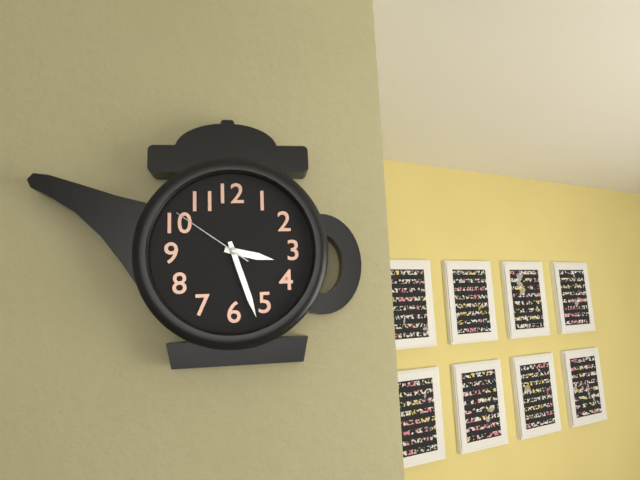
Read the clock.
3:27:51
